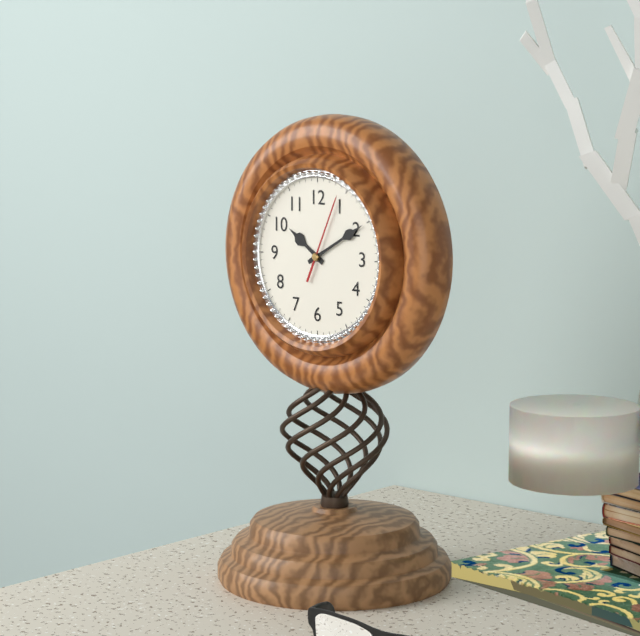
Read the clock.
10:10:04
